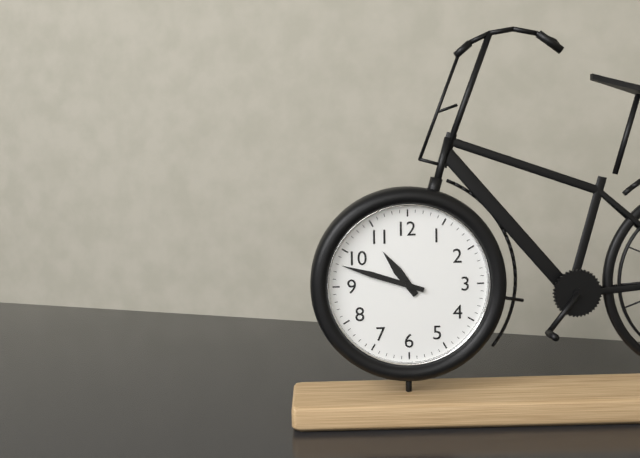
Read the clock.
10:48
